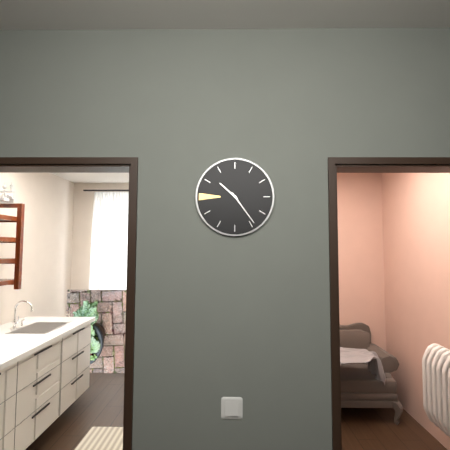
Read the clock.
10:24
